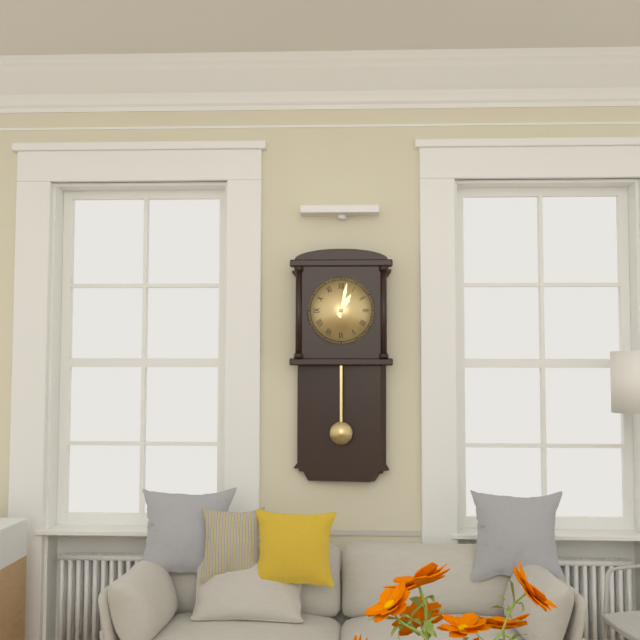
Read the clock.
1:02
